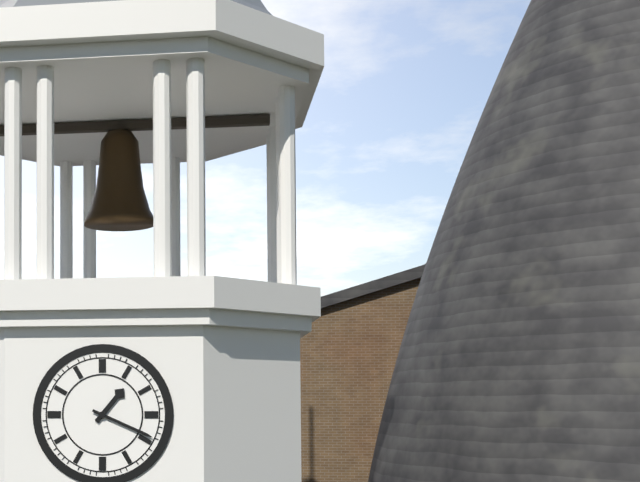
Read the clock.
1:19
